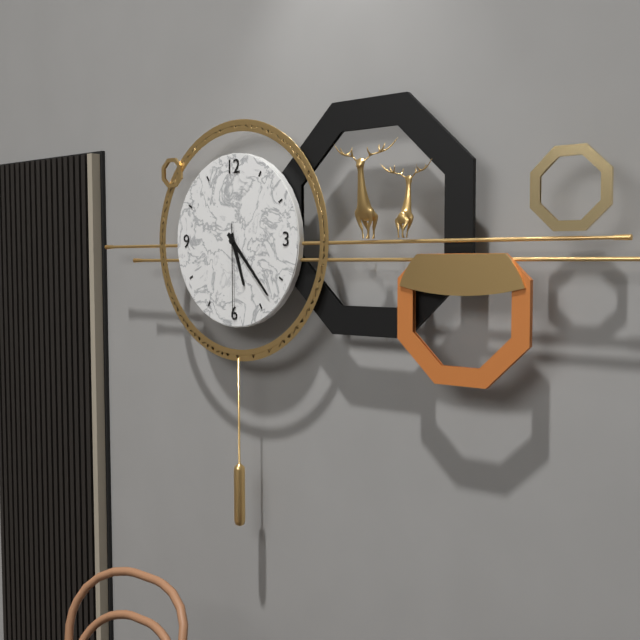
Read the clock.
5:23:30
